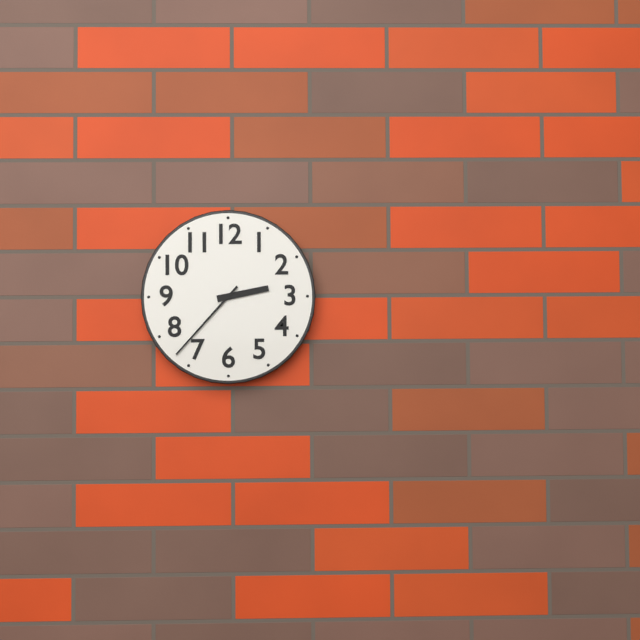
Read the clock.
2:37
